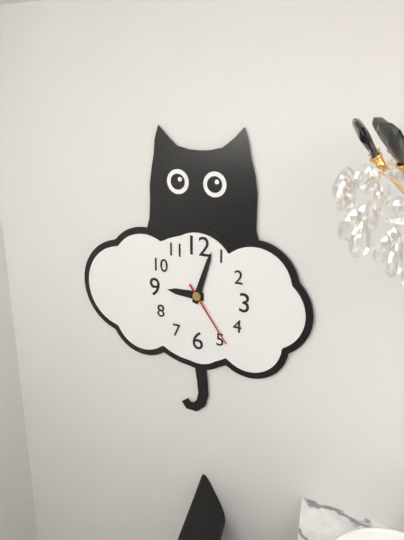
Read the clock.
9:03:24
